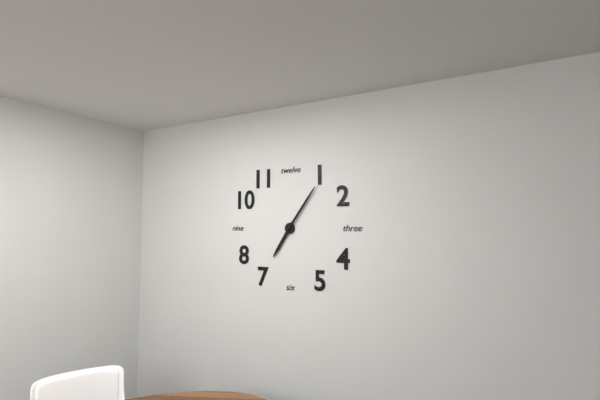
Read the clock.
7:06
